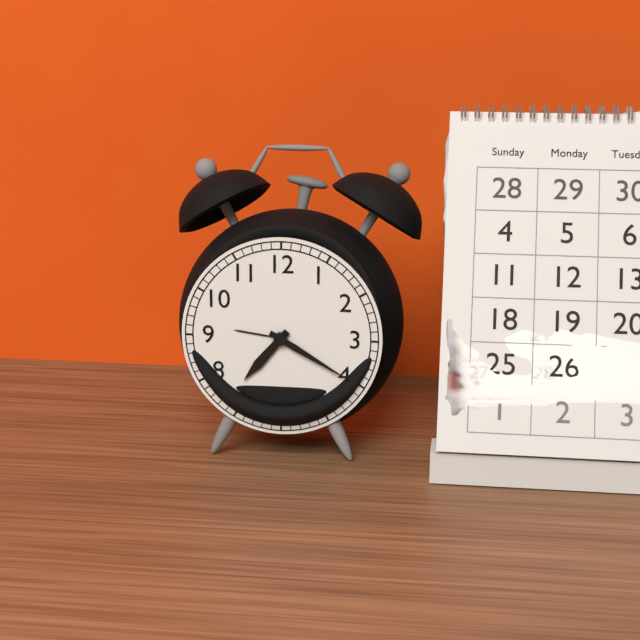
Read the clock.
7:20
